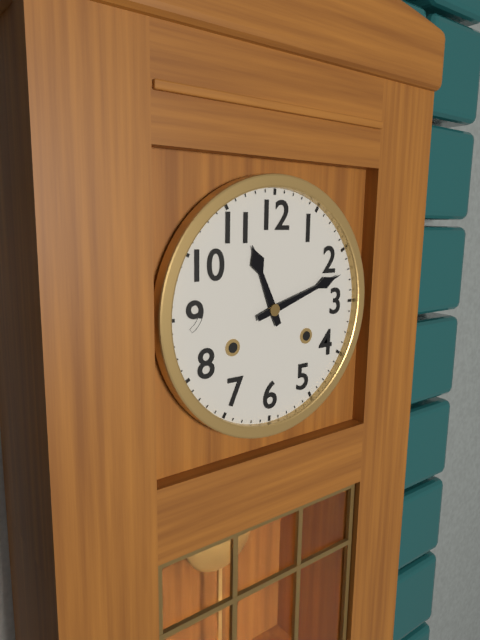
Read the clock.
11:12
